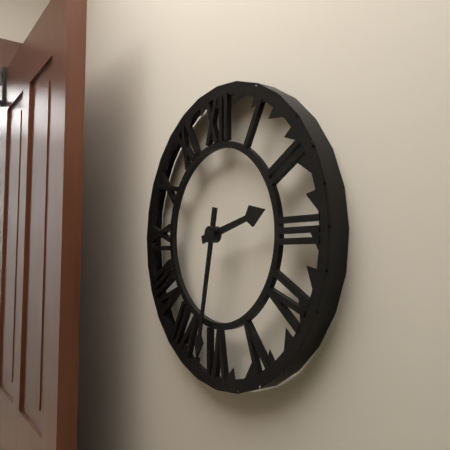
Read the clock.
2:32
